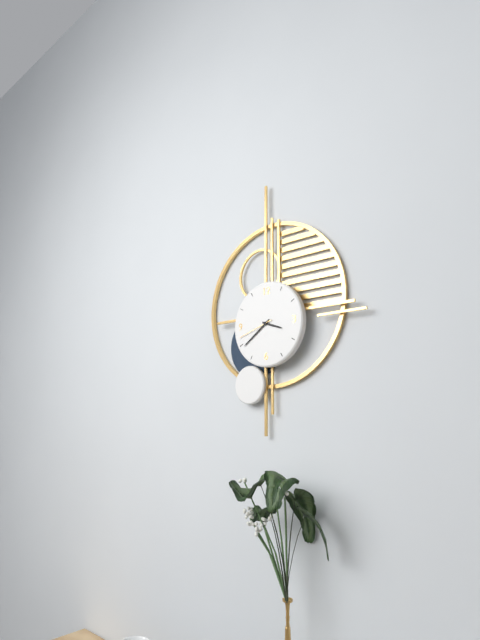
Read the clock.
3:39
